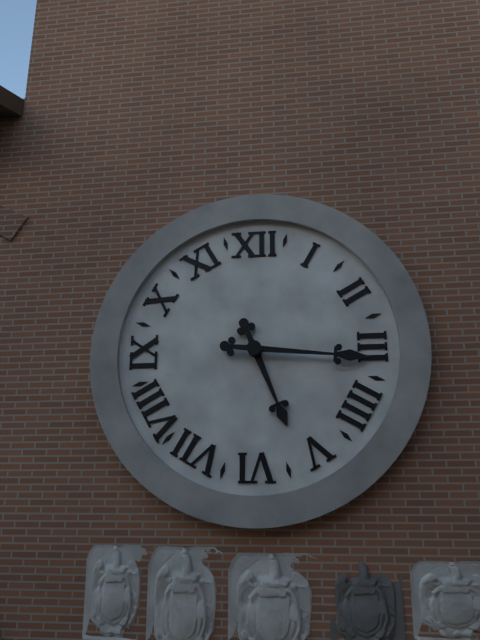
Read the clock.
5:16
